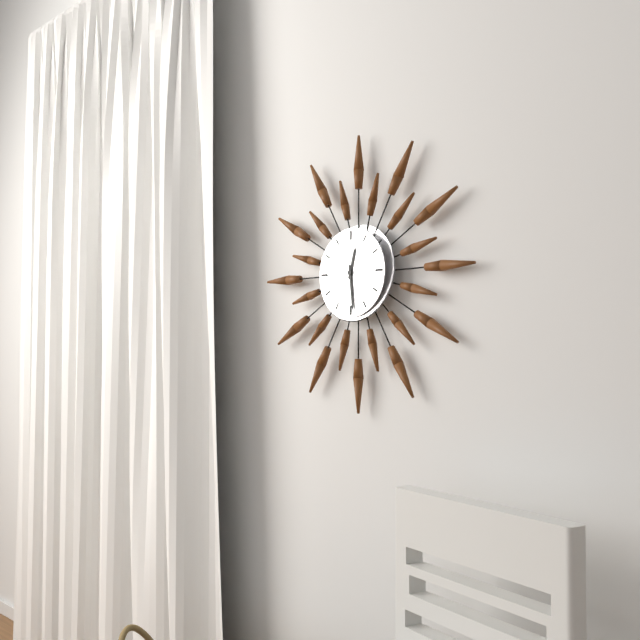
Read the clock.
12:29
